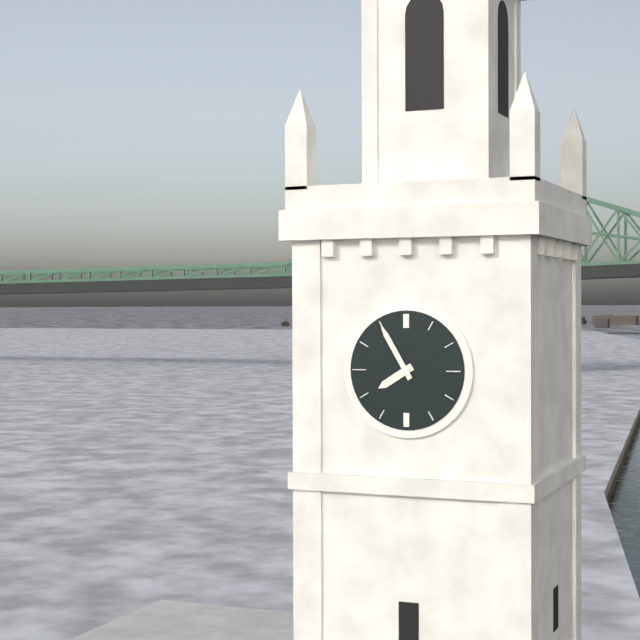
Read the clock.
7:55
